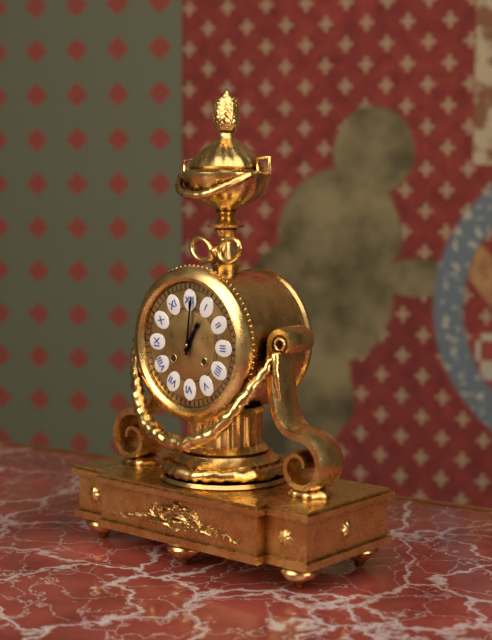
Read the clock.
1:01
